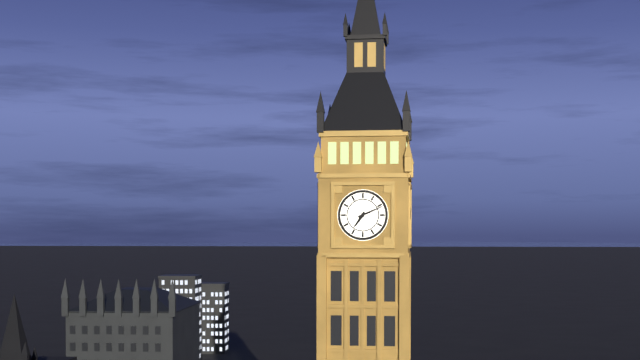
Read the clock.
7:11
